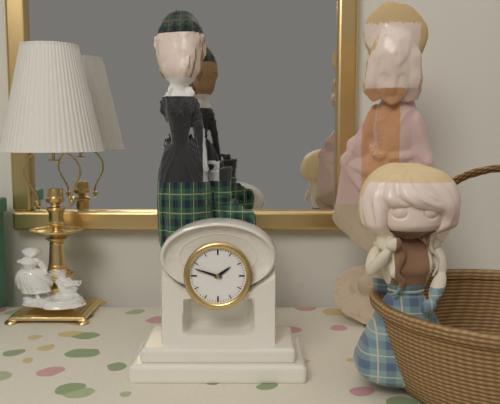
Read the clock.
1:48
